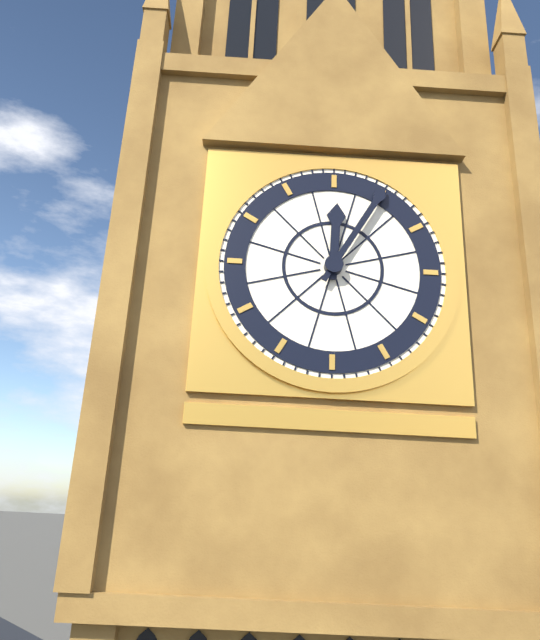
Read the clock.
12:05
